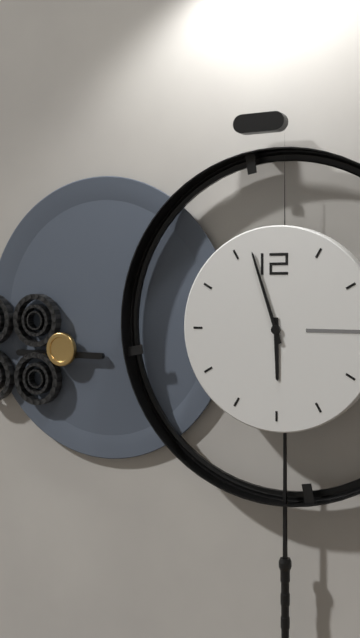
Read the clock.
5:57
